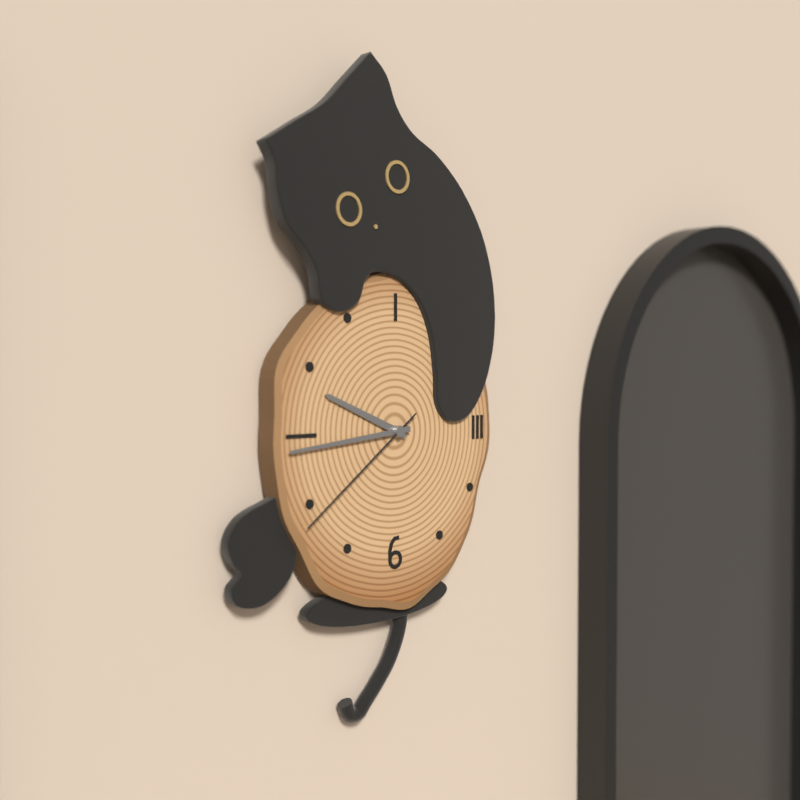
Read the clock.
9:44:39
